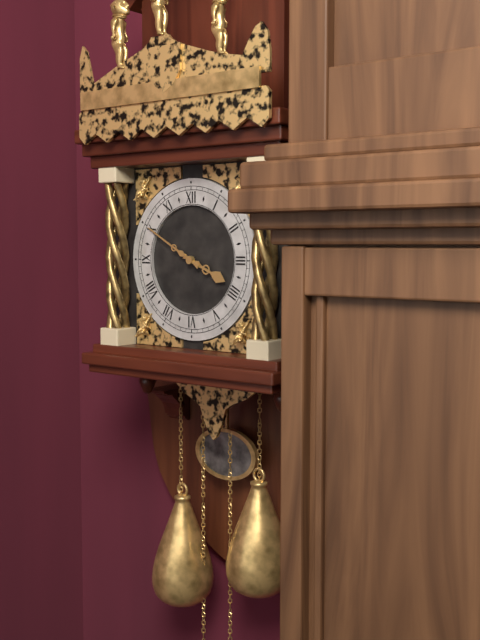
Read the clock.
3:50
